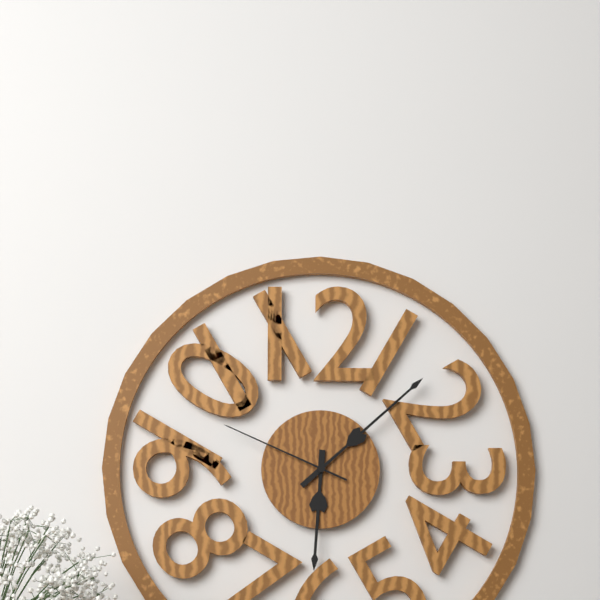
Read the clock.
6:08:49
